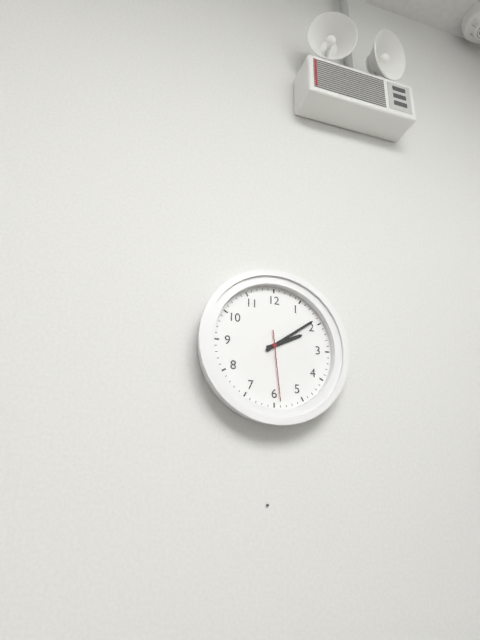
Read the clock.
2:09:29
